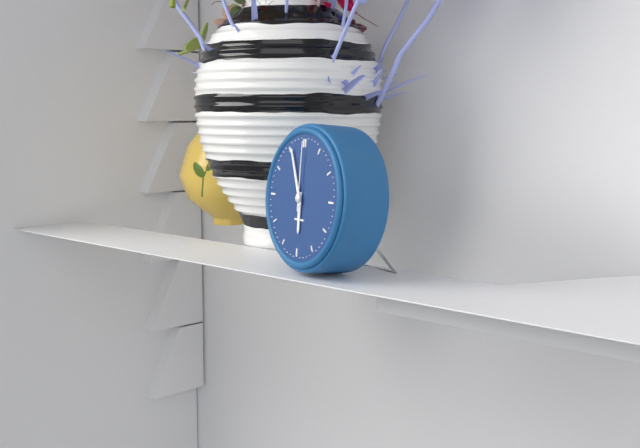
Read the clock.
5:56:00
